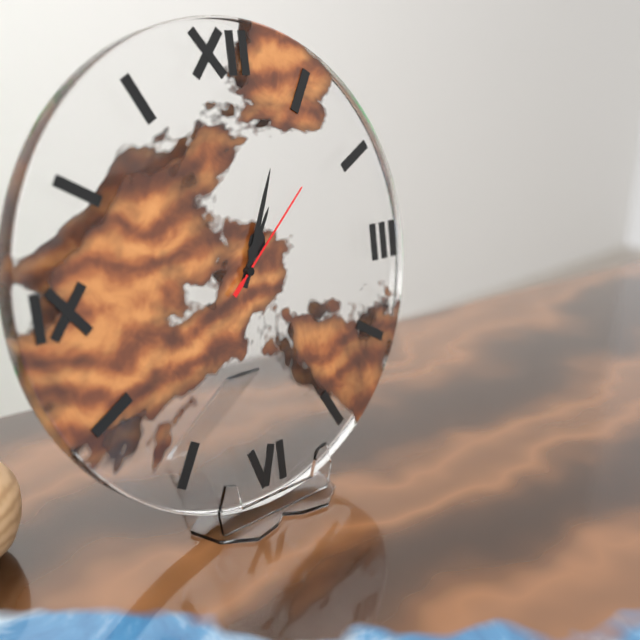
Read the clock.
1:04:08
